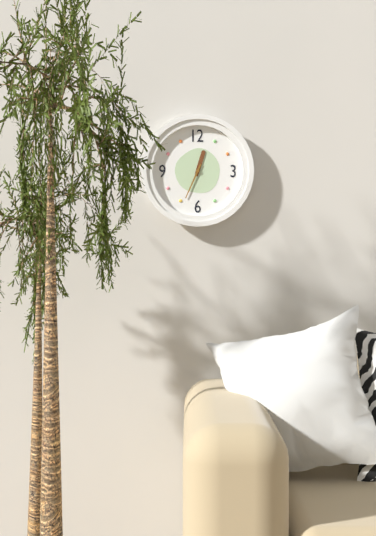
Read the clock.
12:34
